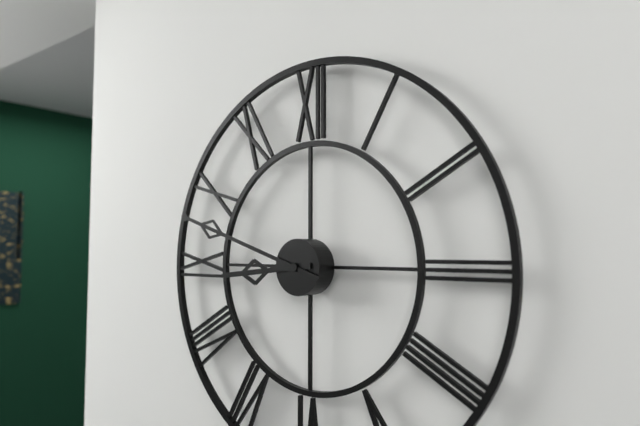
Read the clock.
8:48
